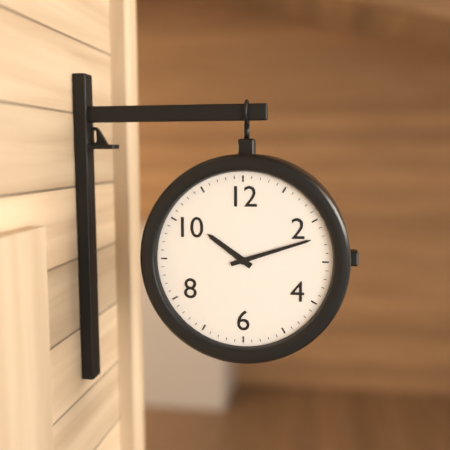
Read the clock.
10:12
